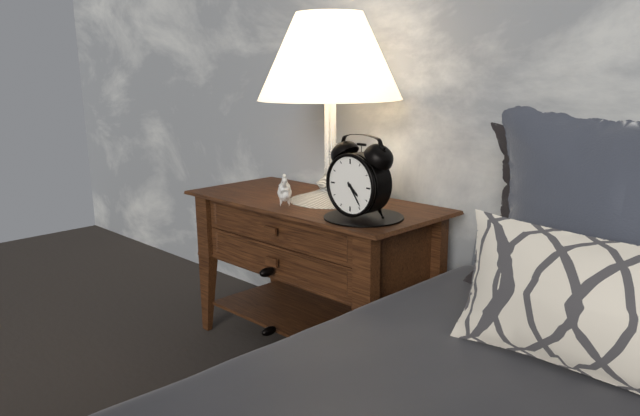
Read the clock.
4:24
